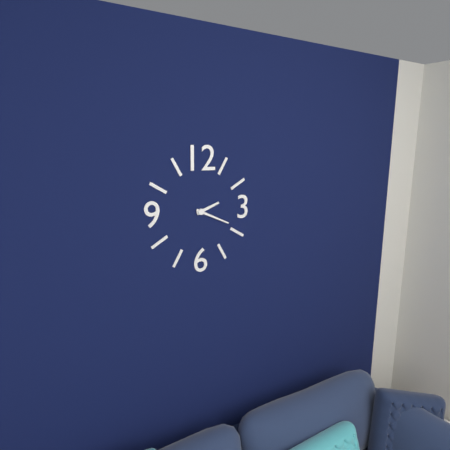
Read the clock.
2:19
